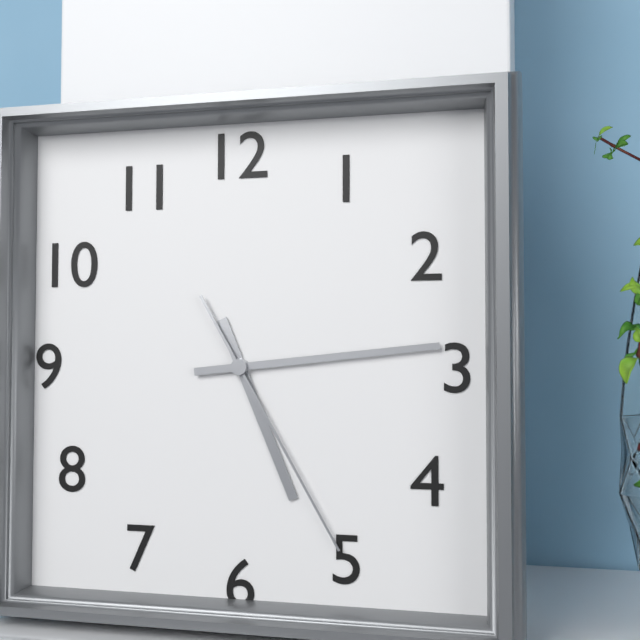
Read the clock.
5:14:25
